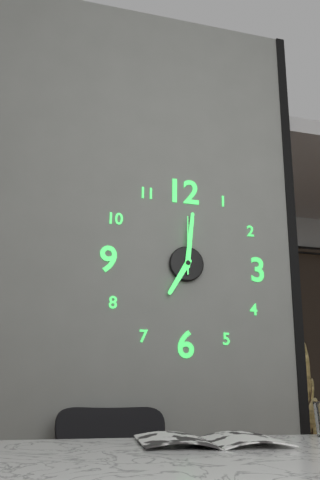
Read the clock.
7:01:00
